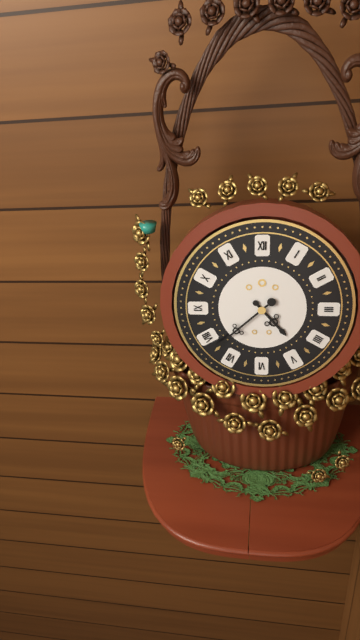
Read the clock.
4:38
